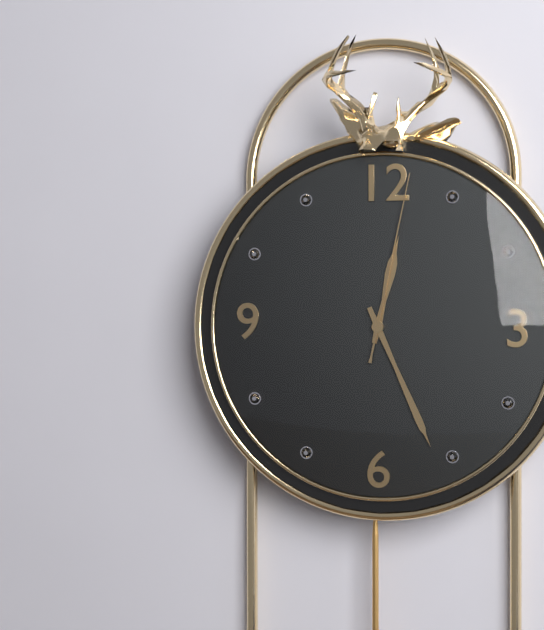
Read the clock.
12:26:02
